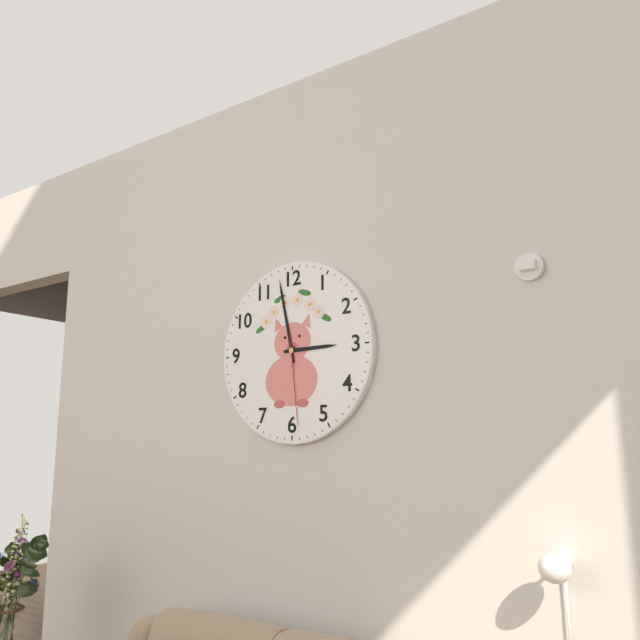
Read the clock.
2:58:29
